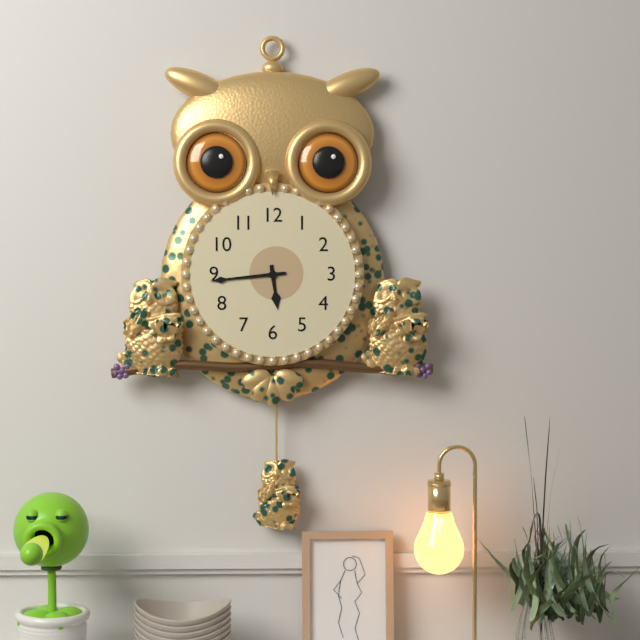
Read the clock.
5:44
